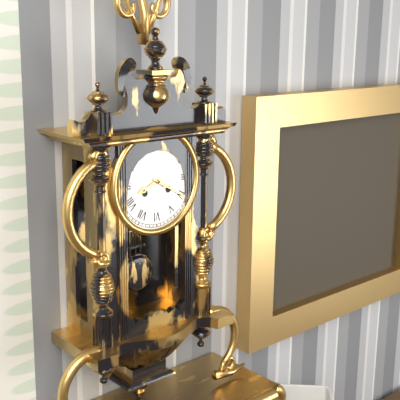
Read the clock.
8:20
